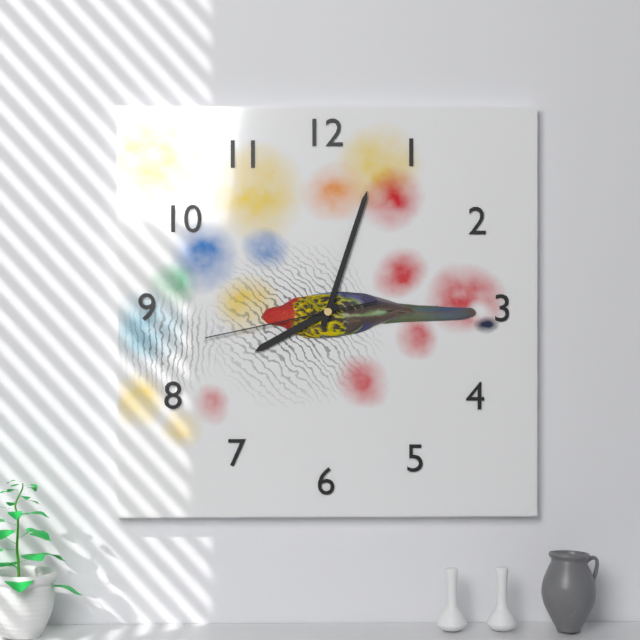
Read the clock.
8:03:43
